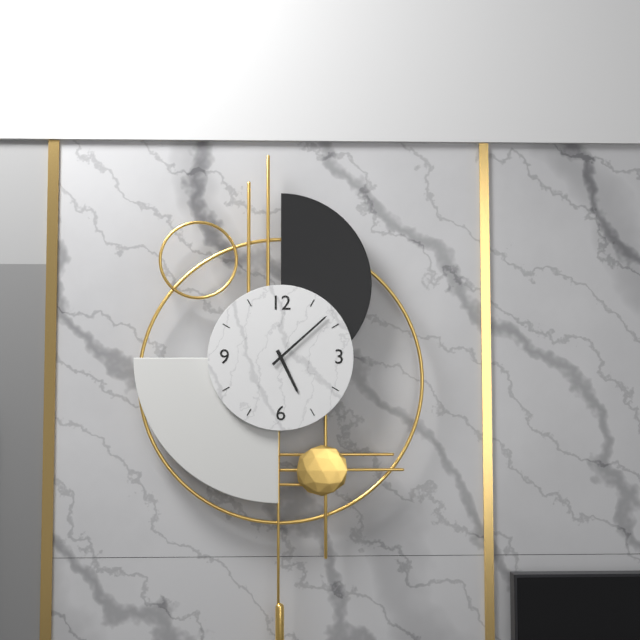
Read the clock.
5:08
